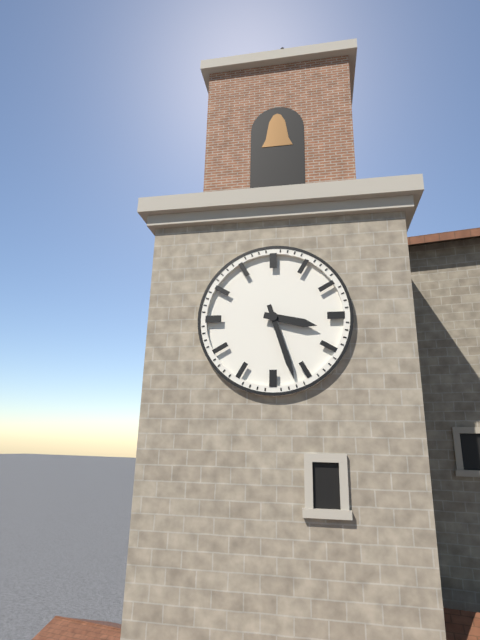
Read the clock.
3:27
